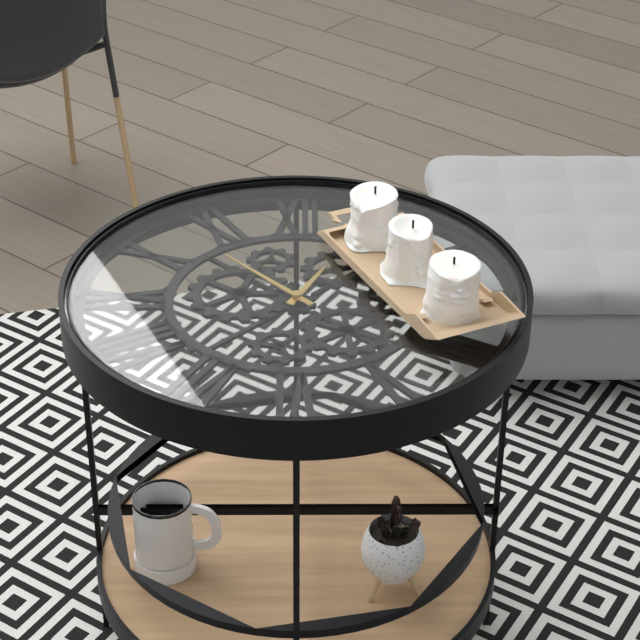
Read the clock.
12:53
